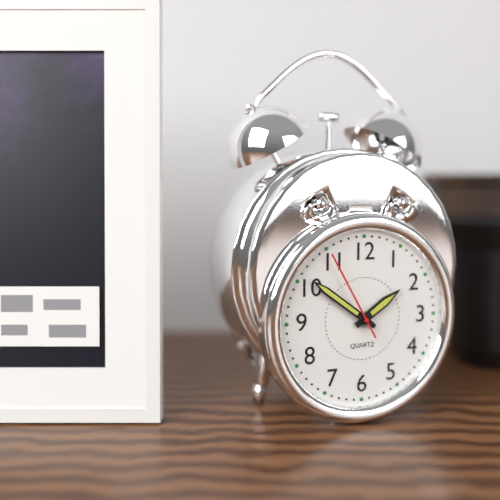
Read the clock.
1:51:55
